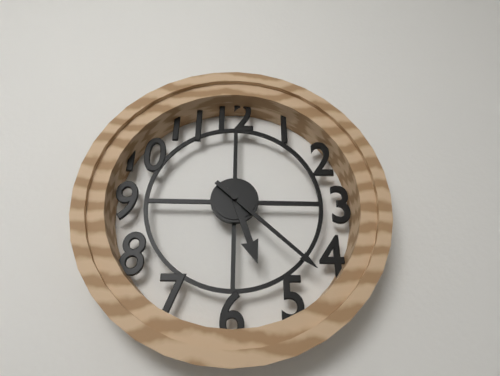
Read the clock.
5:22
